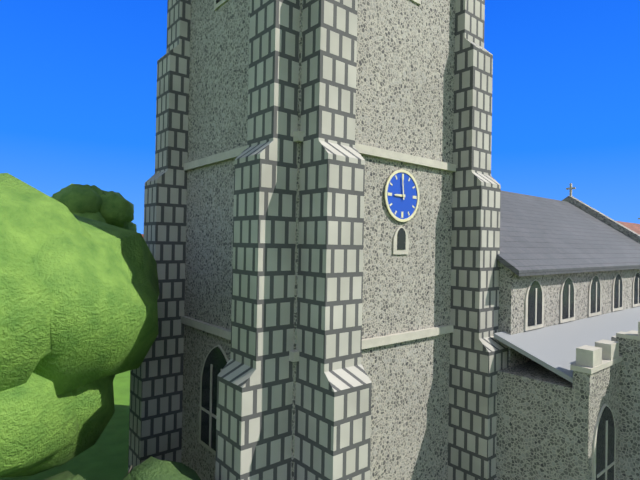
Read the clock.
8:59
